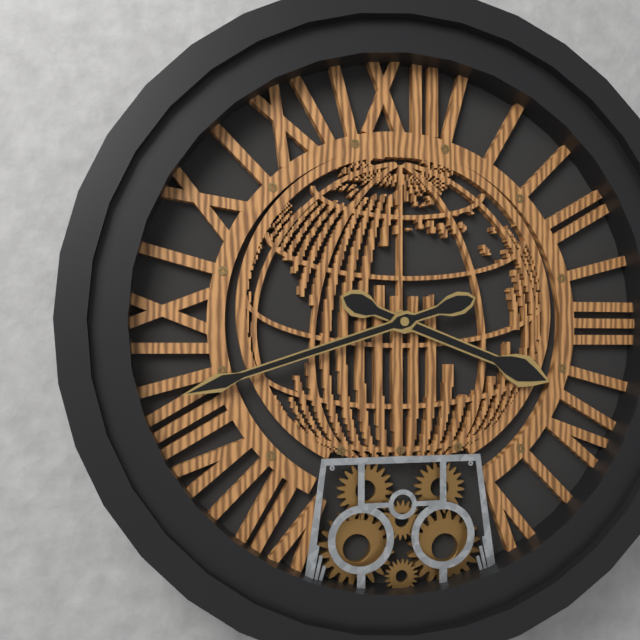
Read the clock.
3:42
